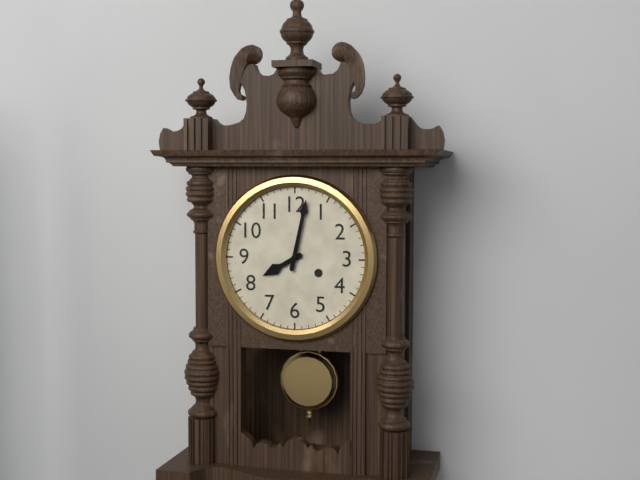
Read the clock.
8:02
